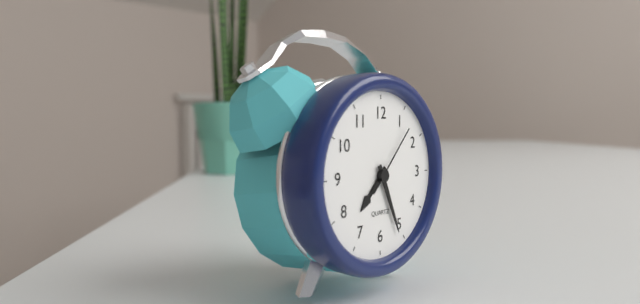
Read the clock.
7:26:07
